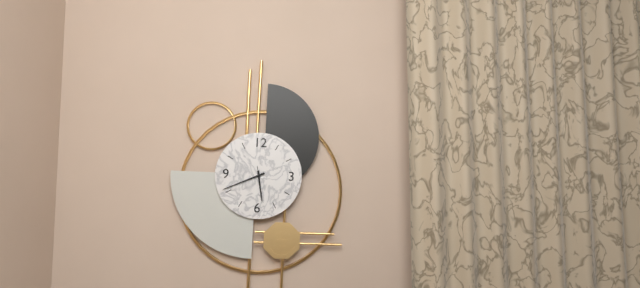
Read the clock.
5:41
